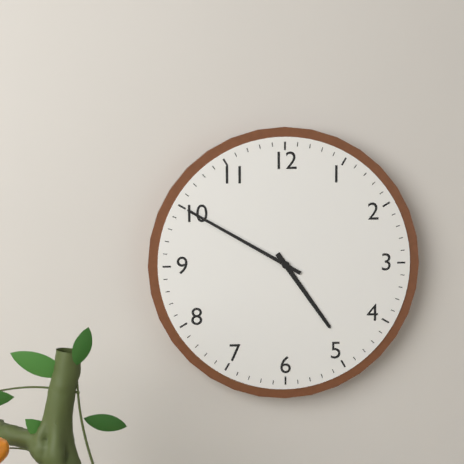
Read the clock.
4:50
